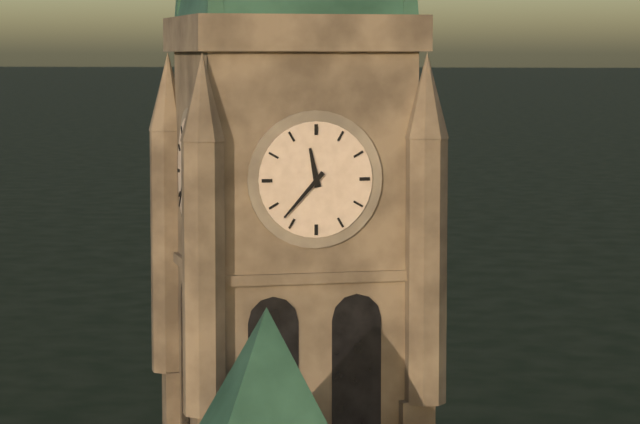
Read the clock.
11:37
